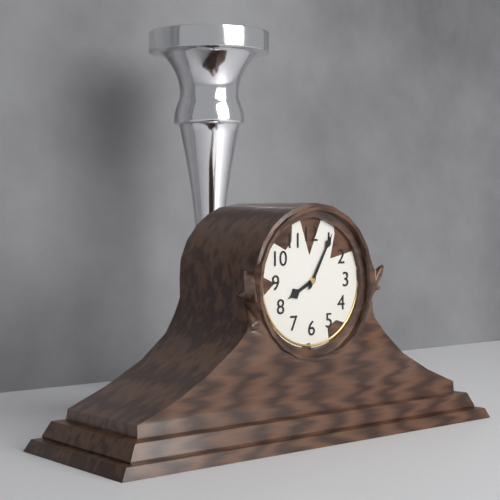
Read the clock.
8:05
